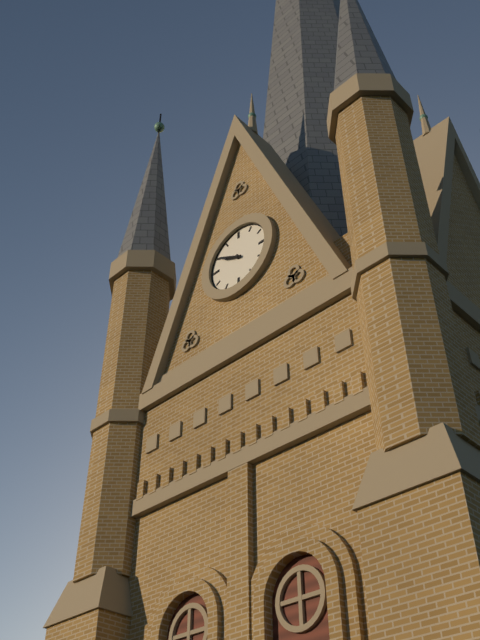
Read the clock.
9:50
